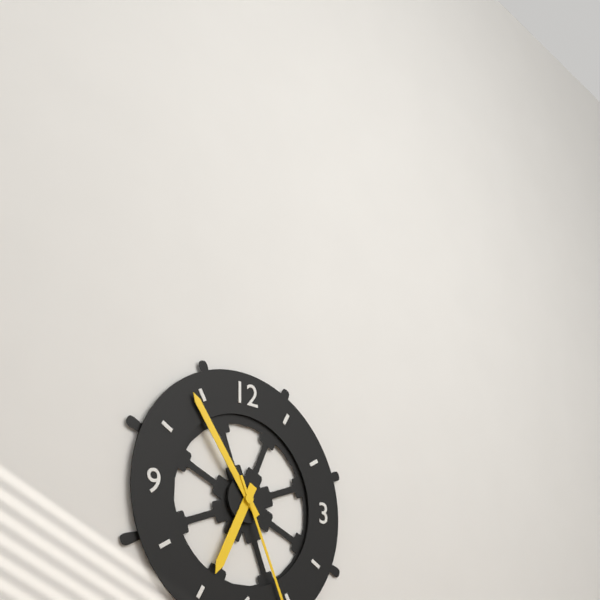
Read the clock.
6:54
